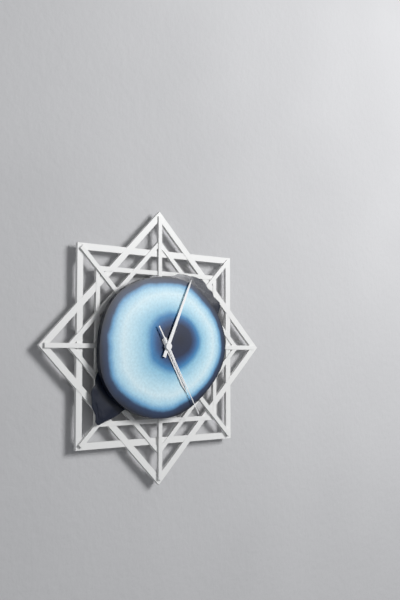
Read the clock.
5:04:25
